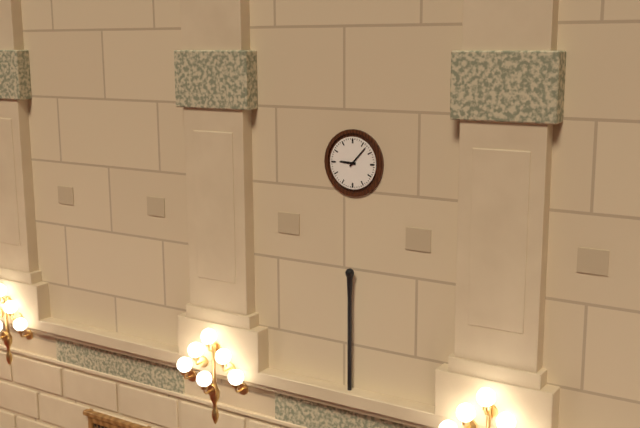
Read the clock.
9:07
